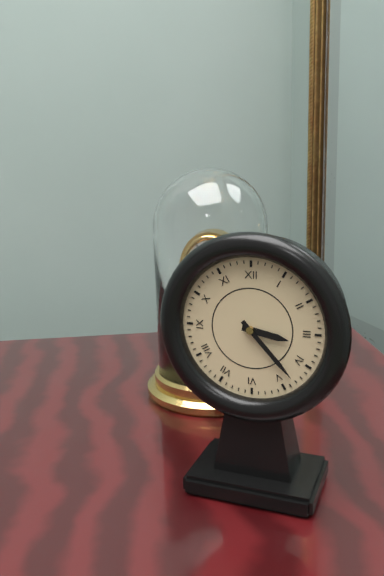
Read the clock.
3:23
